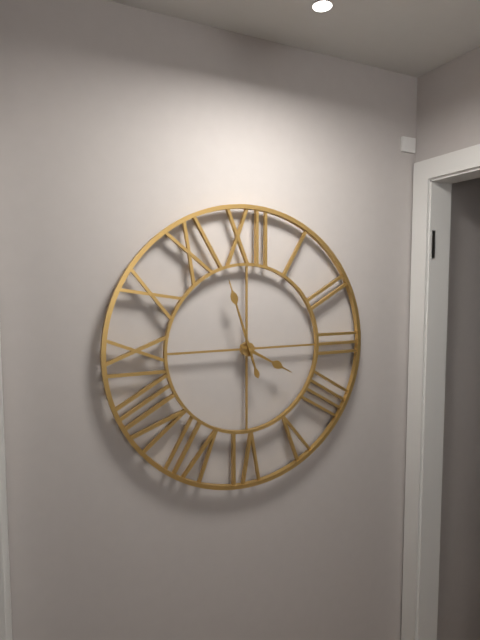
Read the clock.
3:57
